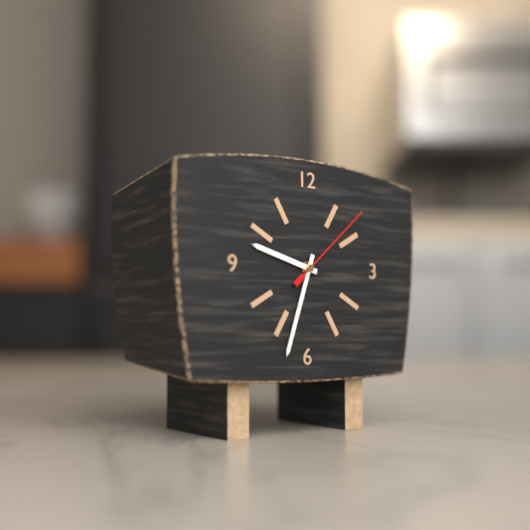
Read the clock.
9:33:08
